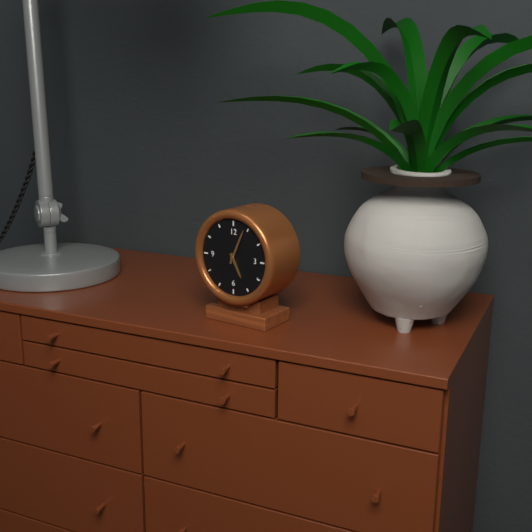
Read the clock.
5:04
